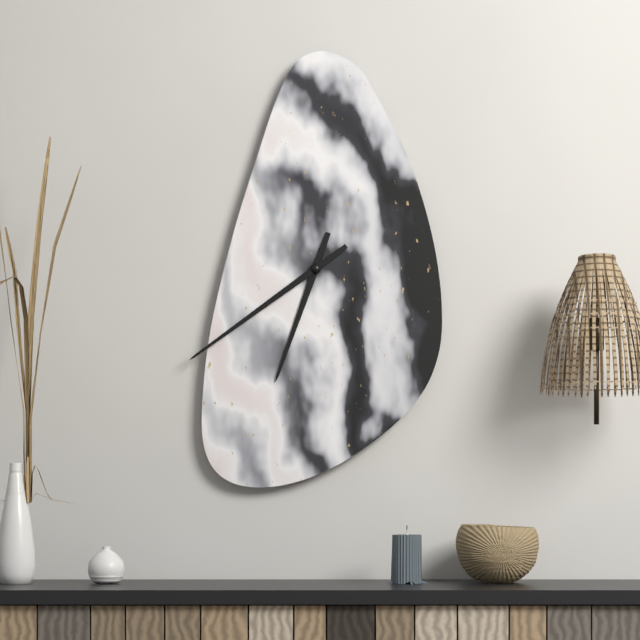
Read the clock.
6:39
